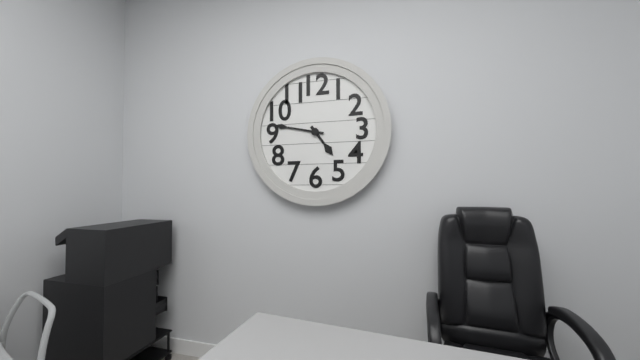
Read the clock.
4:47
